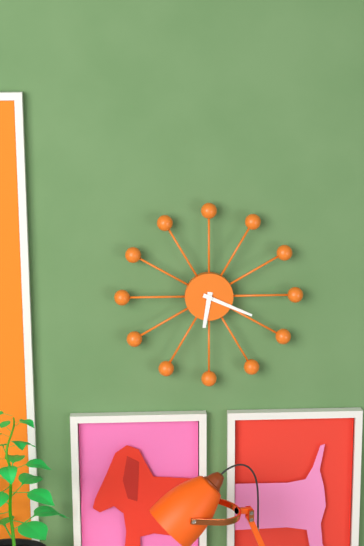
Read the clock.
6:19
